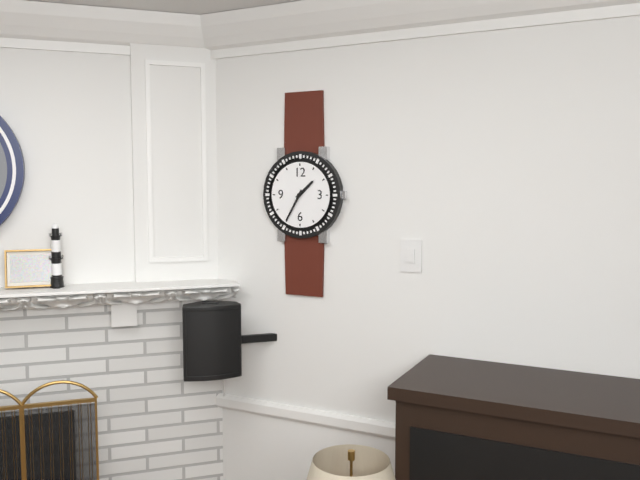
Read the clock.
1:35
